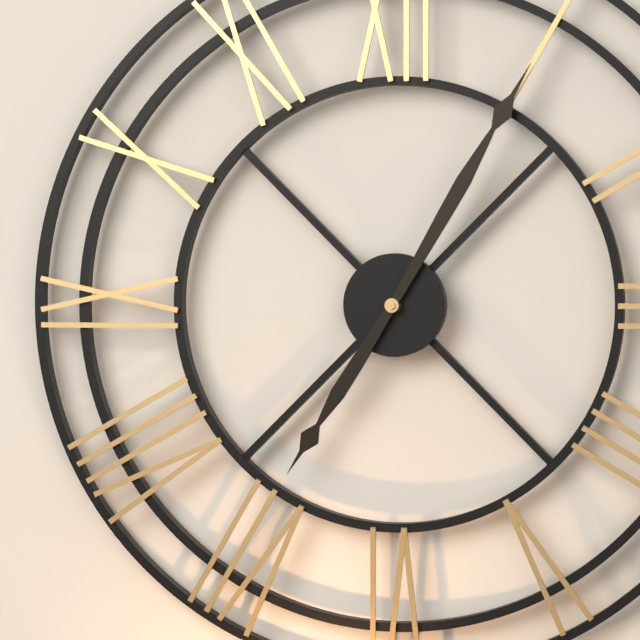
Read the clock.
7:05
